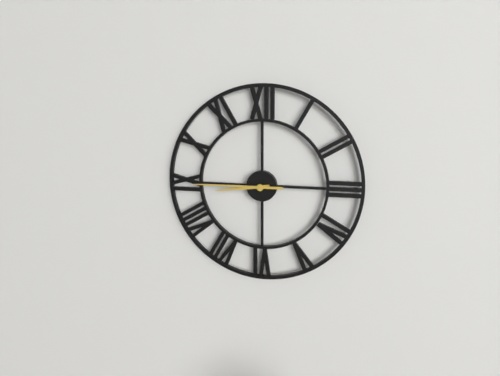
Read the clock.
8:45
